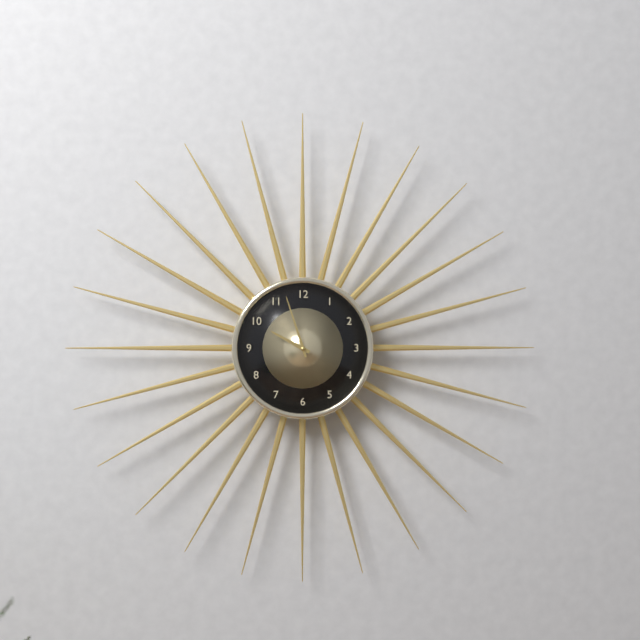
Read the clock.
9:57
